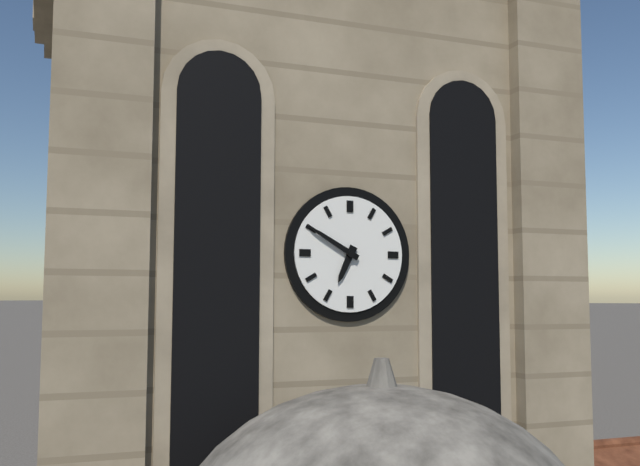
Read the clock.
6:50
